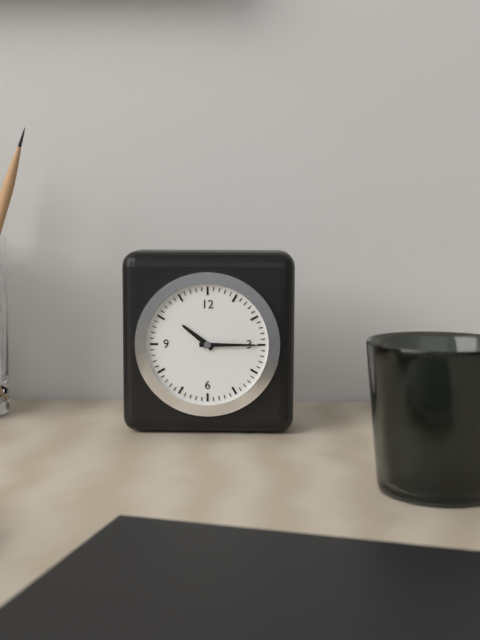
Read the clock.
10:15
